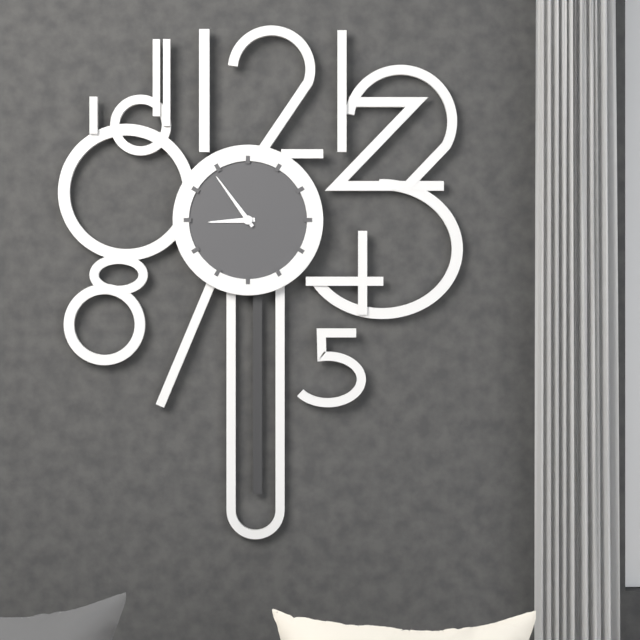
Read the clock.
8:54
